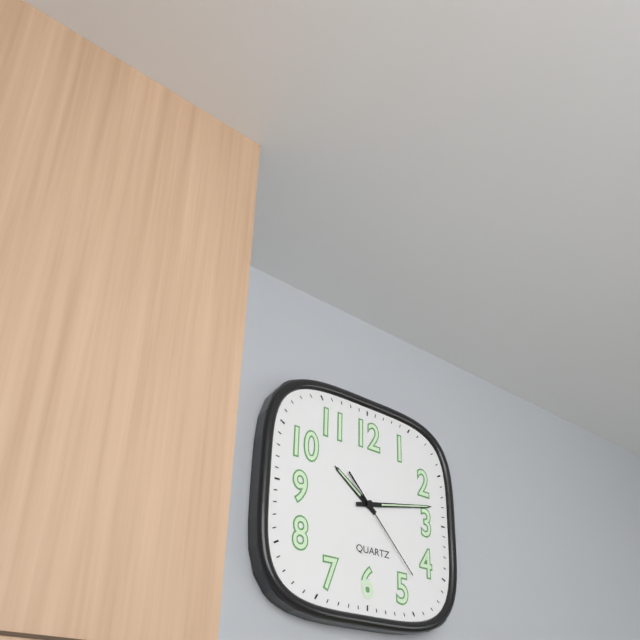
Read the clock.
10:13:23
